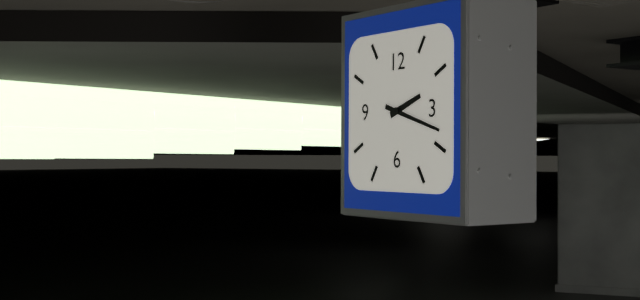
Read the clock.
2:18
